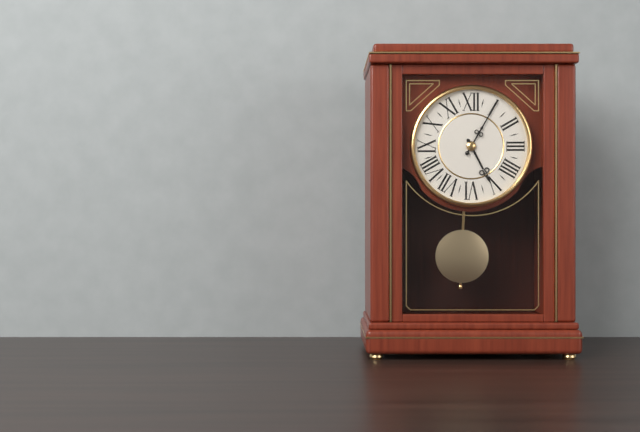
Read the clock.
5:05
